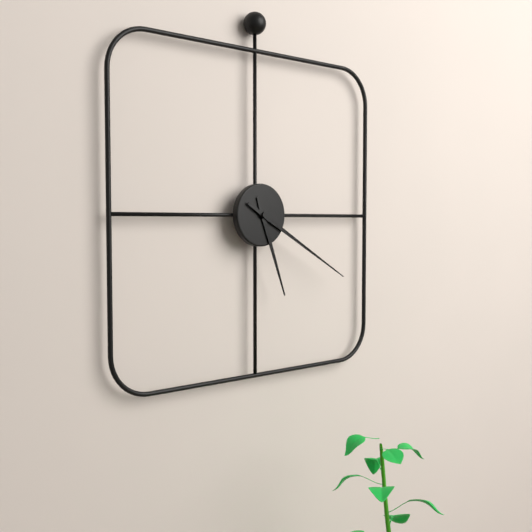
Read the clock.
5:20
